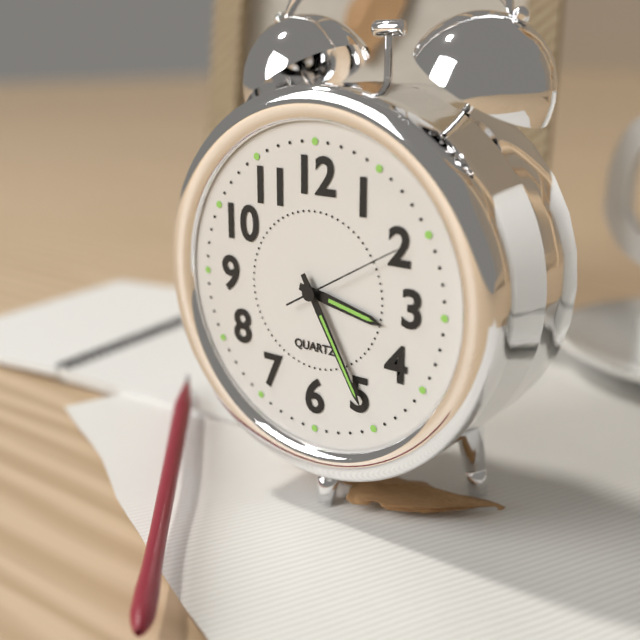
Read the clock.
3:25:10
